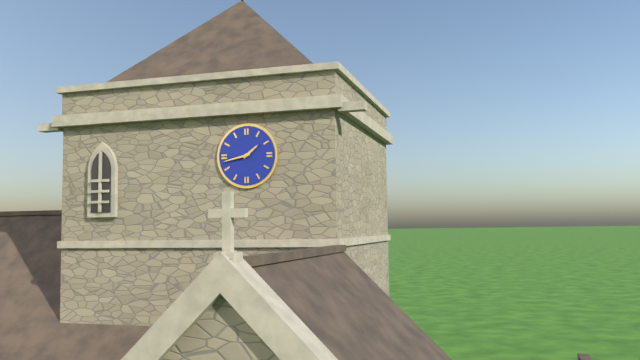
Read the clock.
1:43
